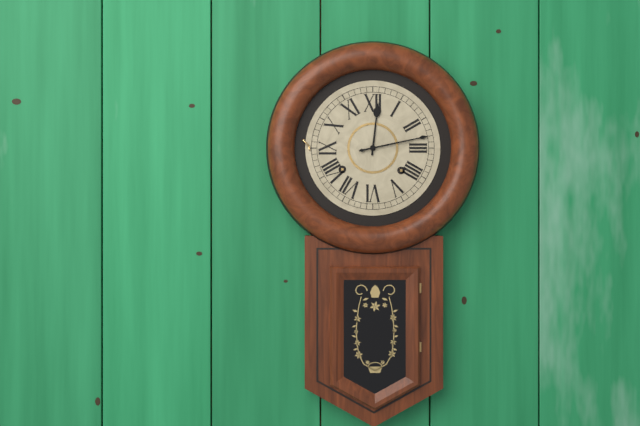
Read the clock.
12:13
